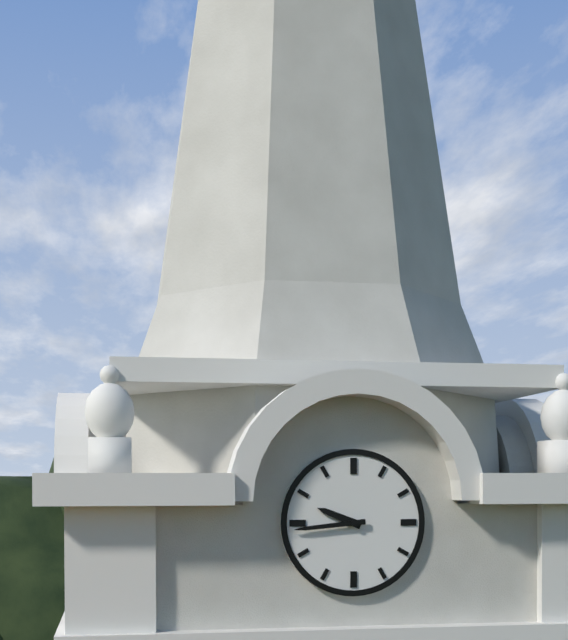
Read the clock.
9:44
